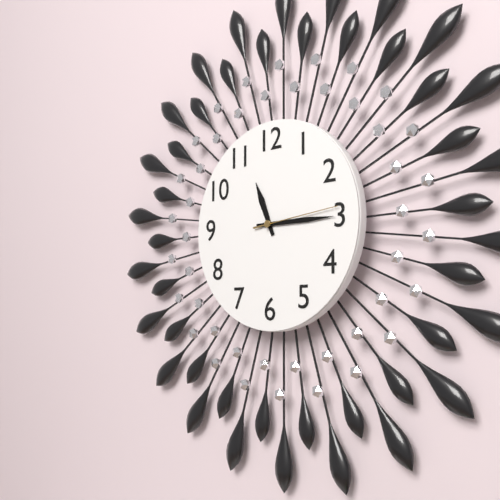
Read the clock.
11:15:14
